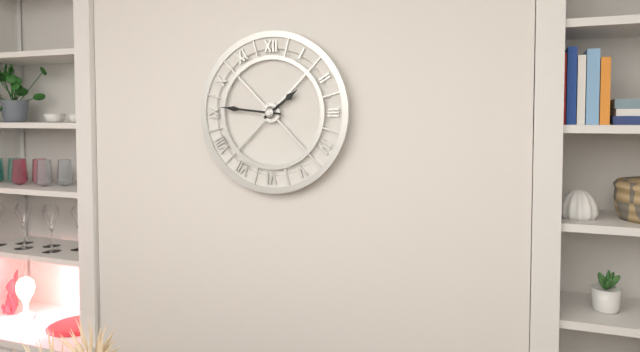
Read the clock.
1:46
